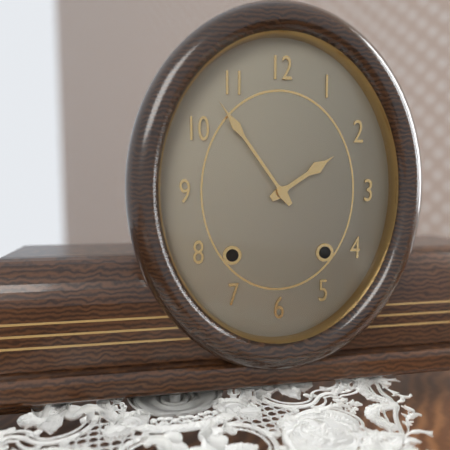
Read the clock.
1:54
